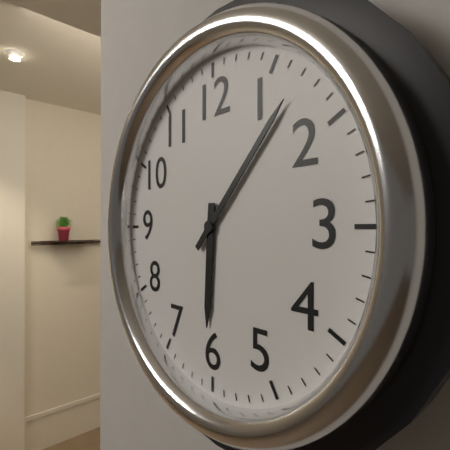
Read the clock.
6:07
